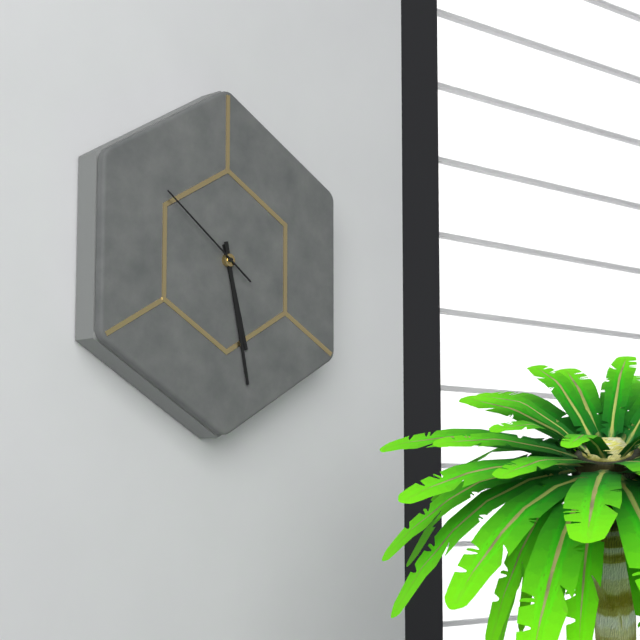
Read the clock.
5:28:51
